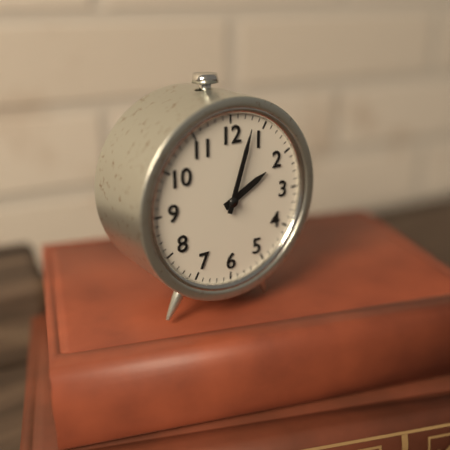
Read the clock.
2:03
